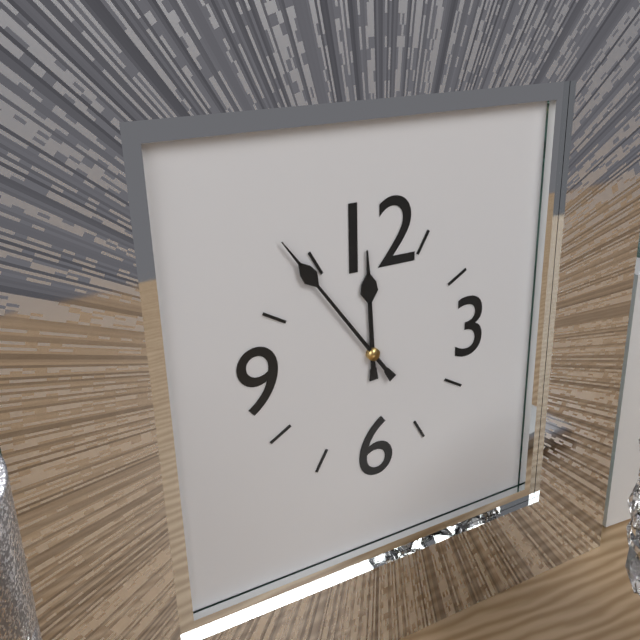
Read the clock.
11:54
